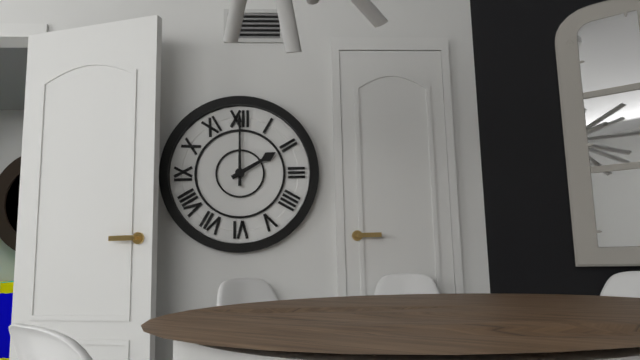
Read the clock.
2:00
